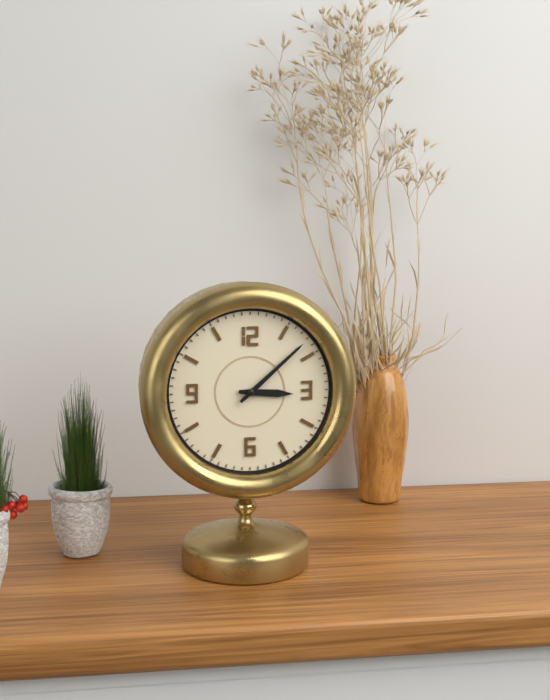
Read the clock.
3:08
